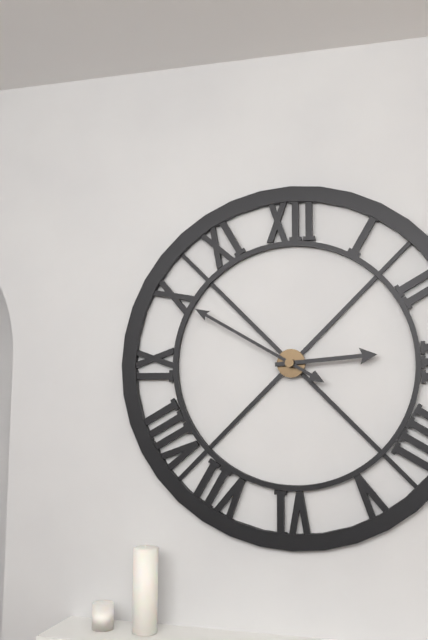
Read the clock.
2:50
